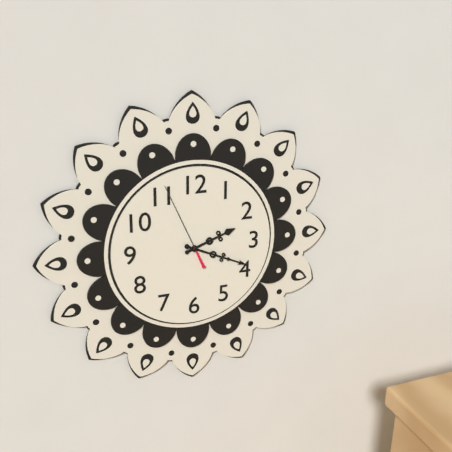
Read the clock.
2:19:56
